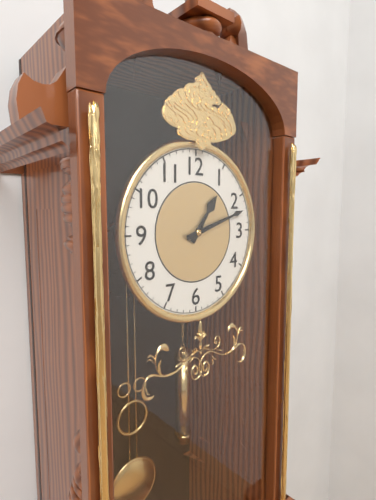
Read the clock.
1:12
